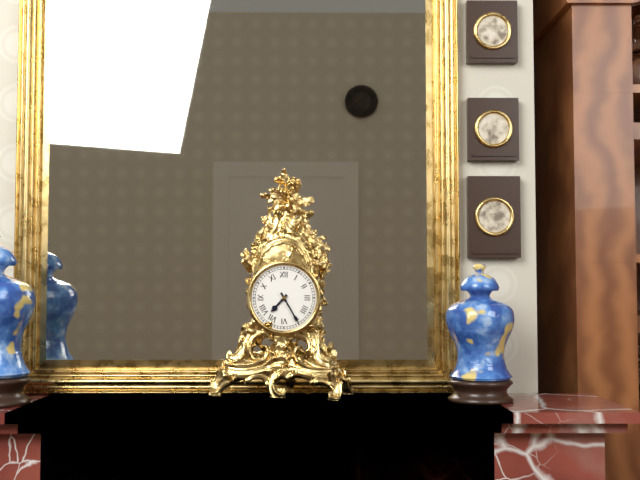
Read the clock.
7:25
